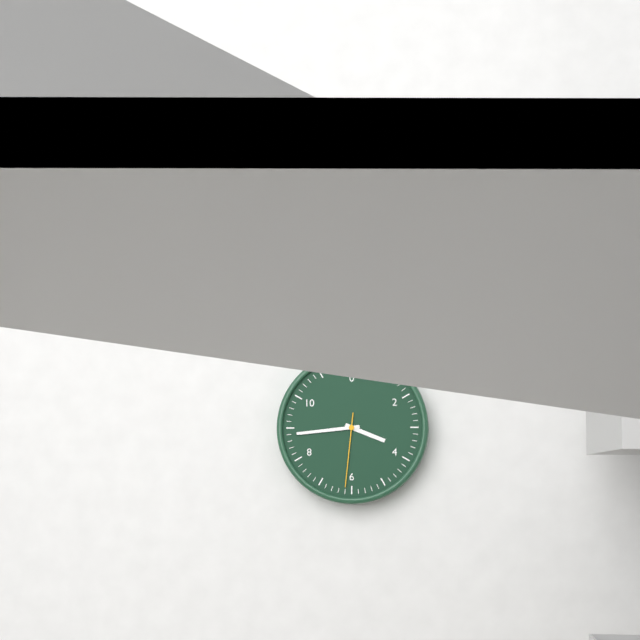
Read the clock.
3:44:31
